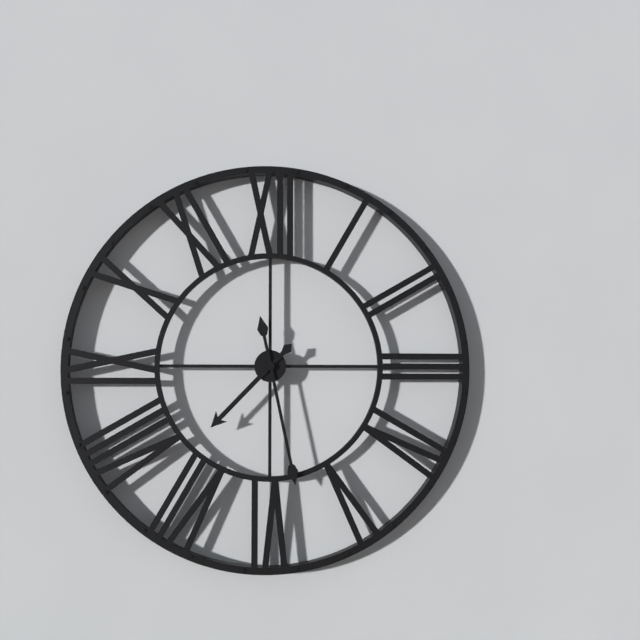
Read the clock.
7:28
